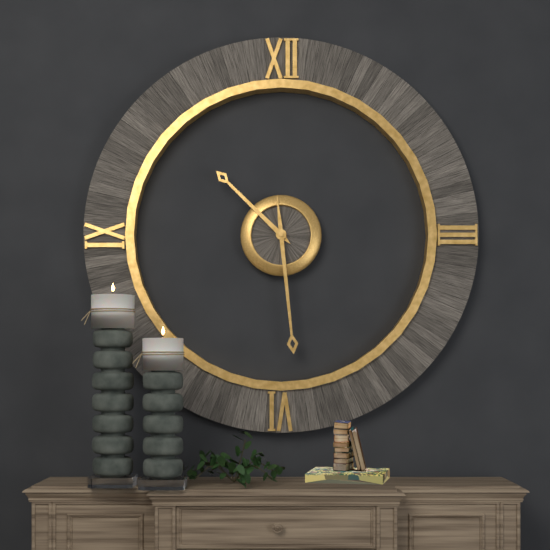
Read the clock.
10:29
